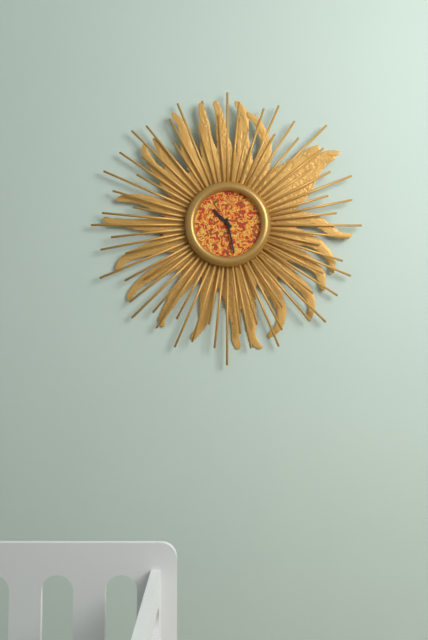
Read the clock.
10:28
